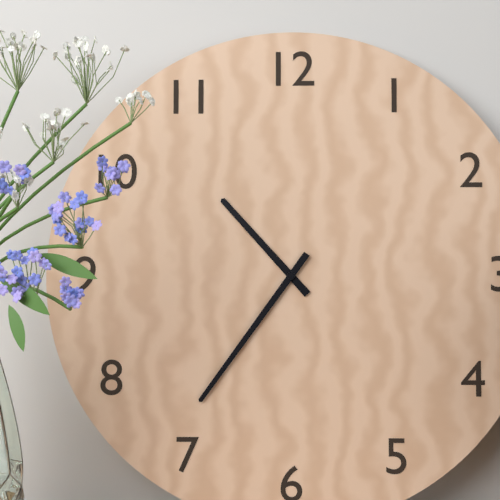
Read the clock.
10:36
